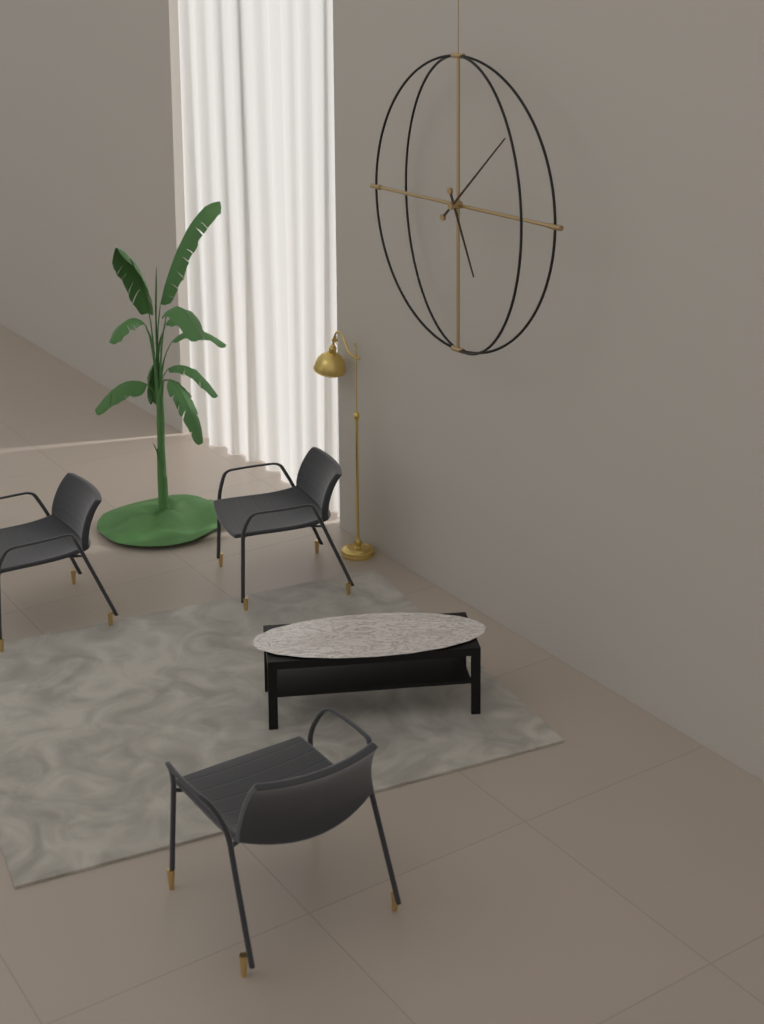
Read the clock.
5:08
